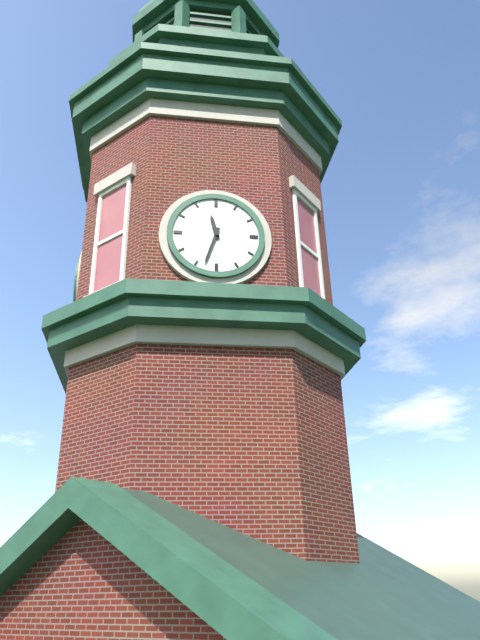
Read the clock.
11:33
